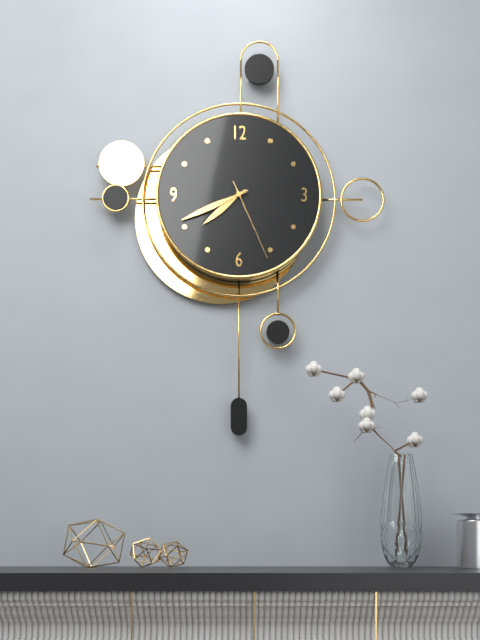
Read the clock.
7:41:26
